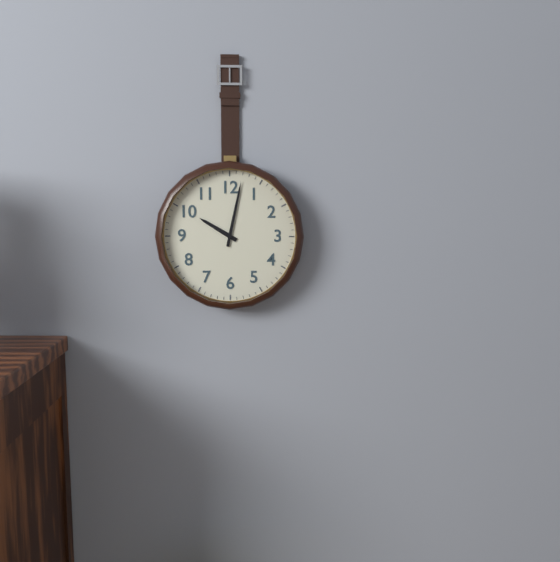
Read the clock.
10:02
